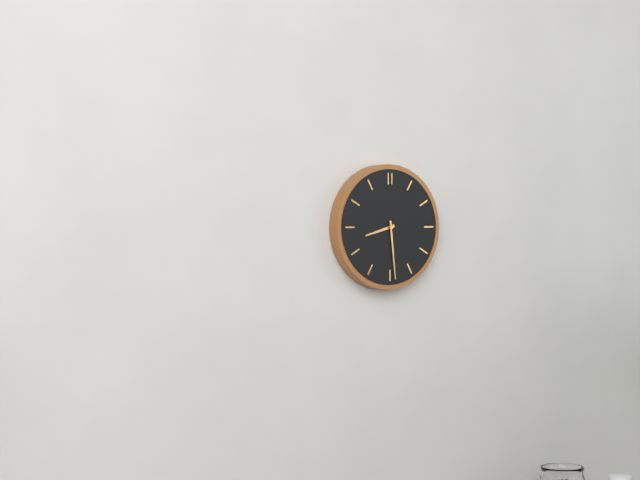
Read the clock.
8:29
